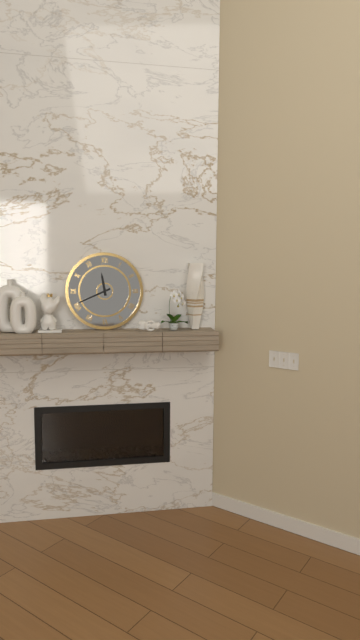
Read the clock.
11:41
